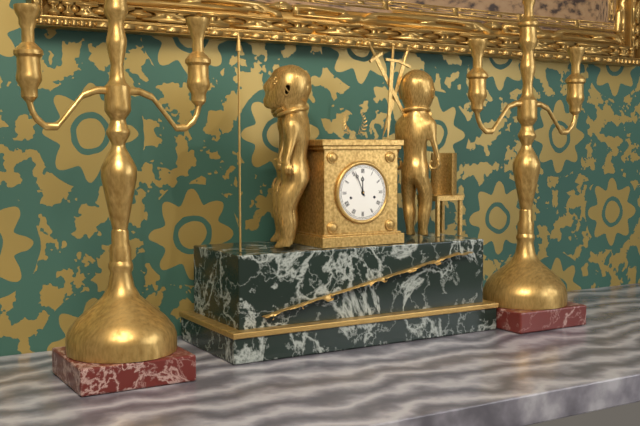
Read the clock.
11:56
